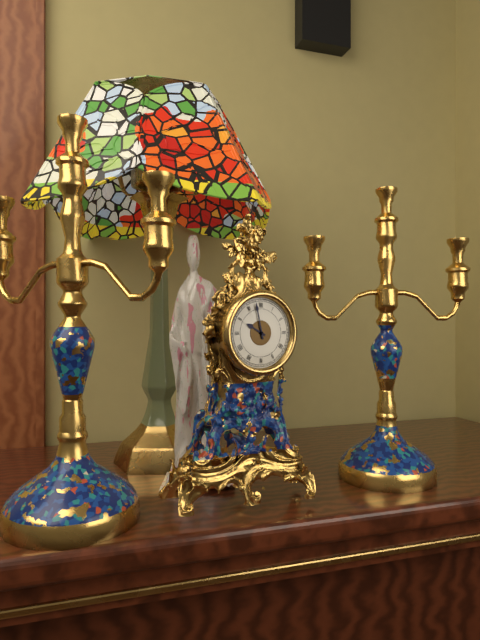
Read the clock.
9:58
